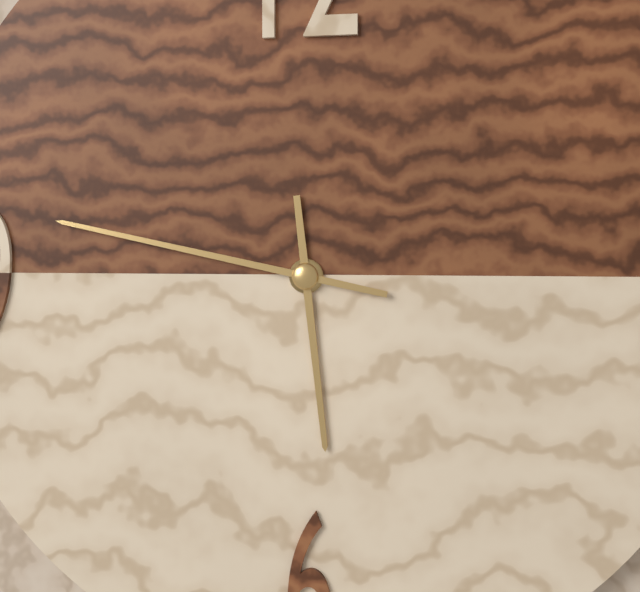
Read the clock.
5:47
